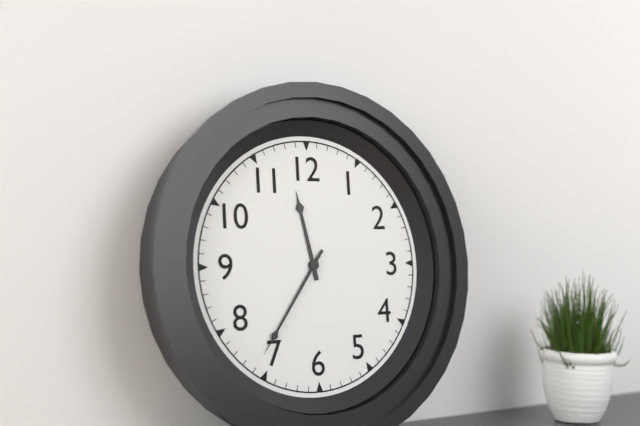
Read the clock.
11:36
